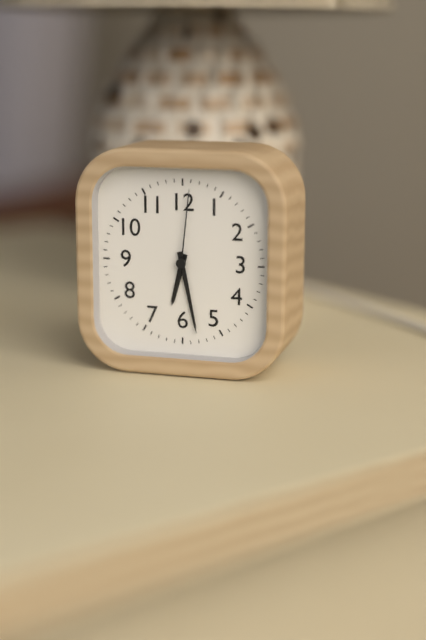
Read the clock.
6:28:01
